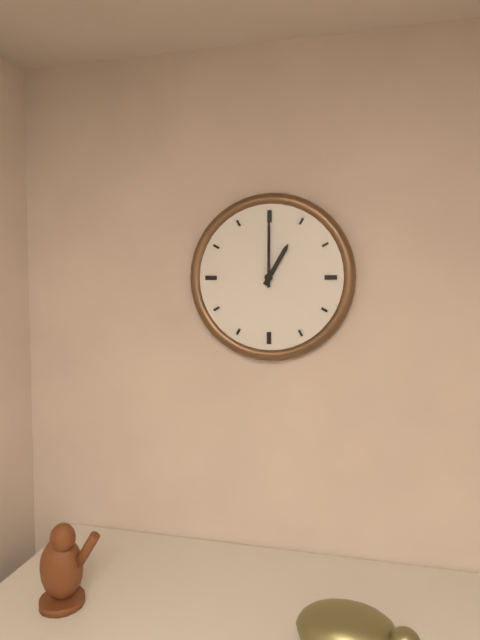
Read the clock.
1:00
